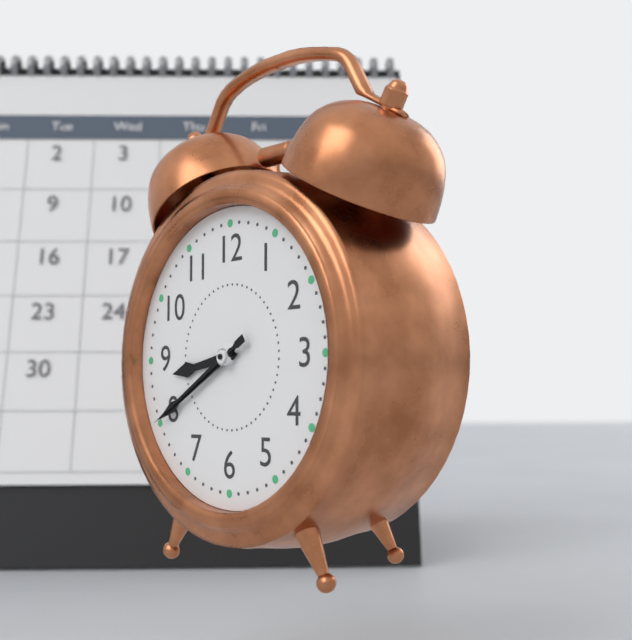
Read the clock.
8:40:40
